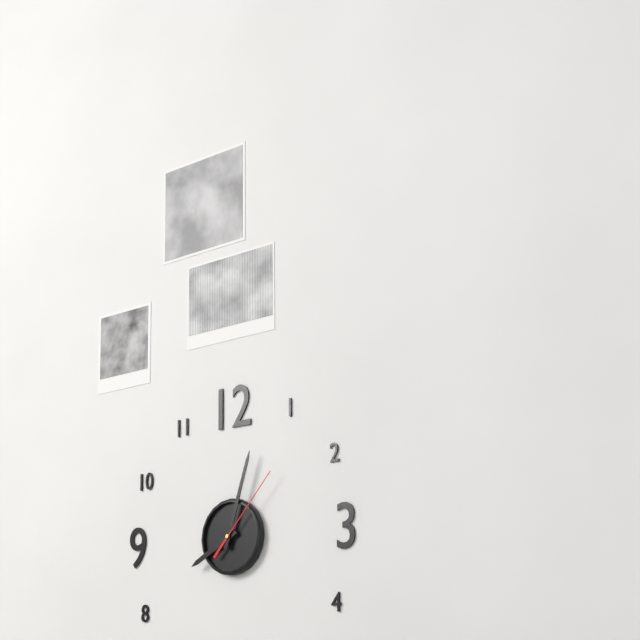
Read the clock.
8:03:07
